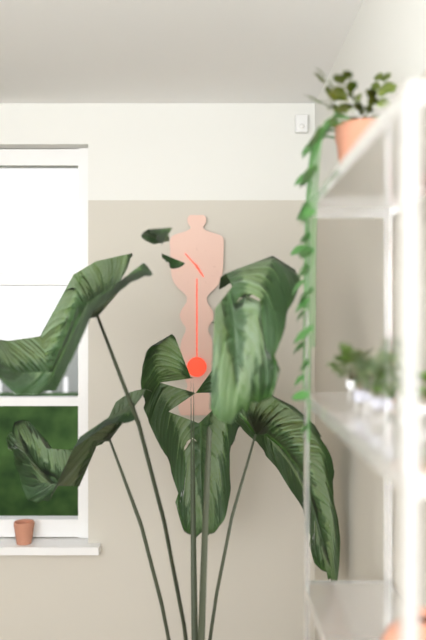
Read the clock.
4:53
